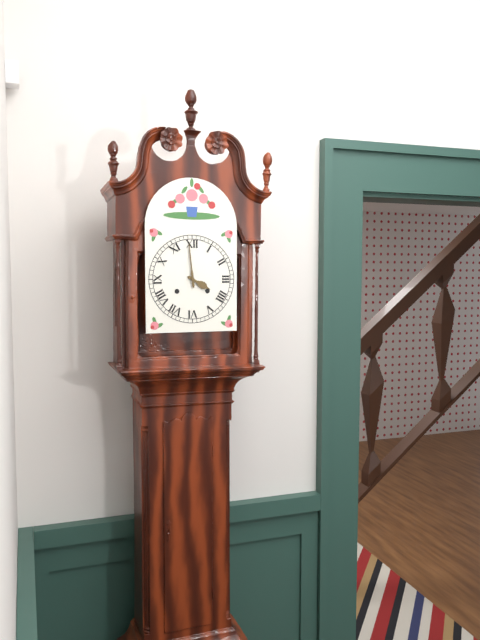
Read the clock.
3:59
